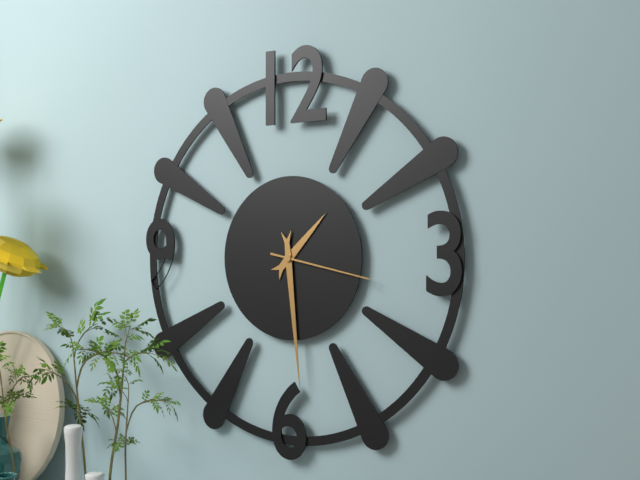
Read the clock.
1:29:17
